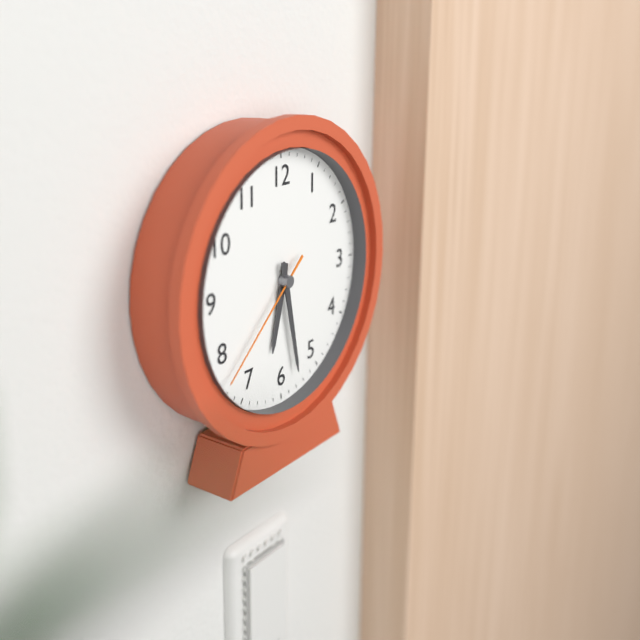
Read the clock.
6:28:38
